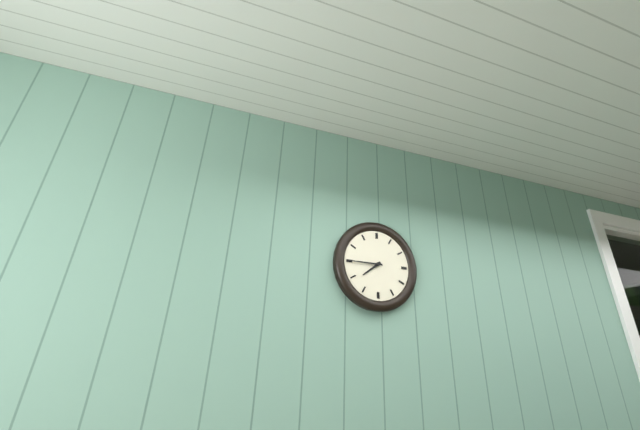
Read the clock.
7:45
